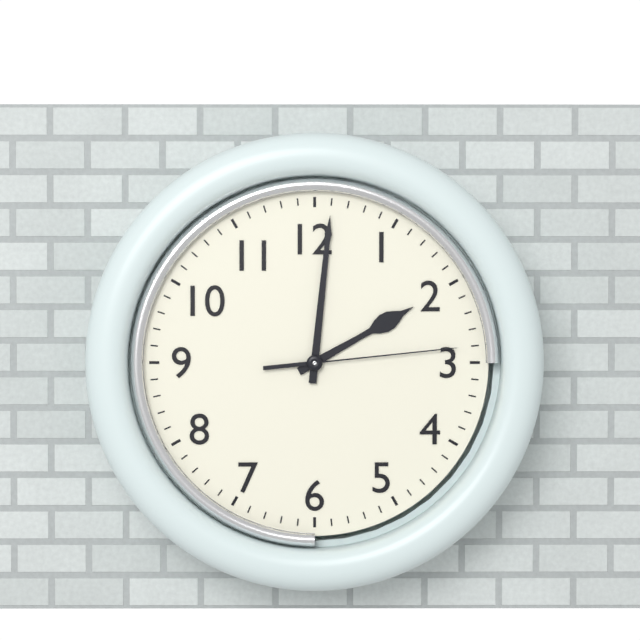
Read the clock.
2:01:14
